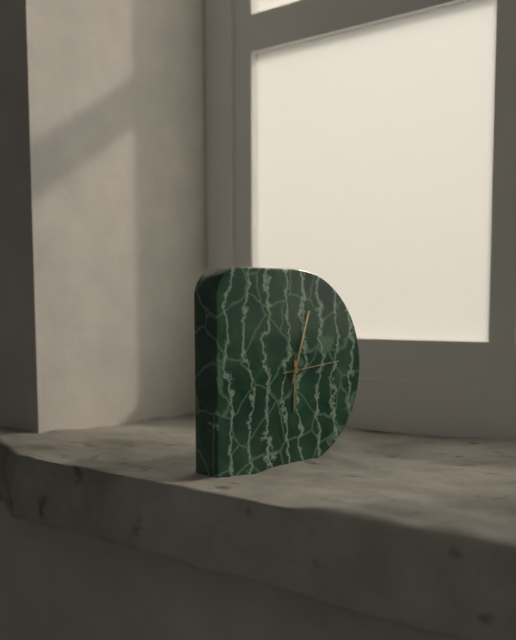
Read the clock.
6:03:14
